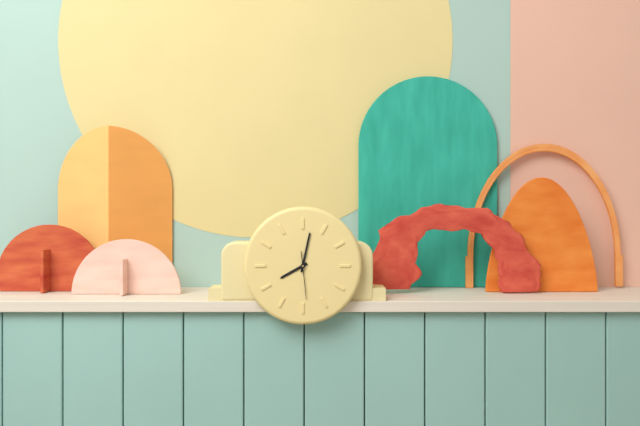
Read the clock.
8:02
